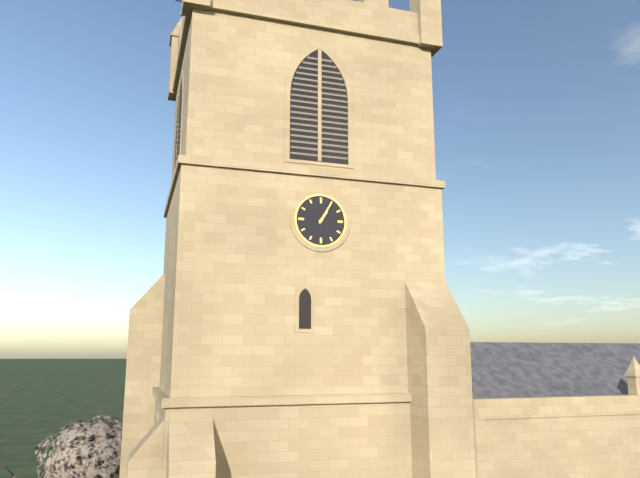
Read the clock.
1:05
